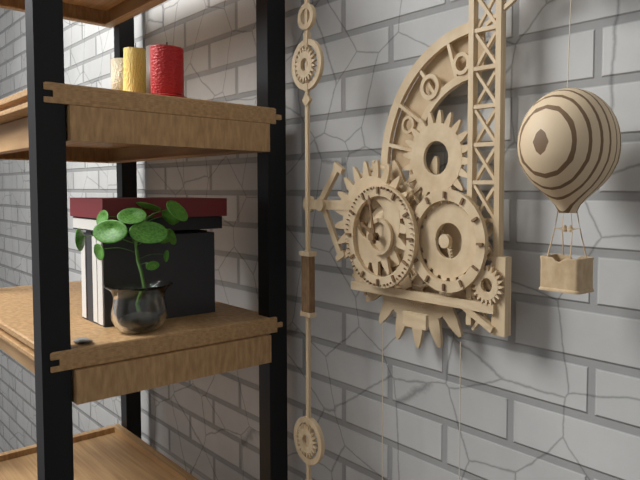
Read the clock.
9:58
